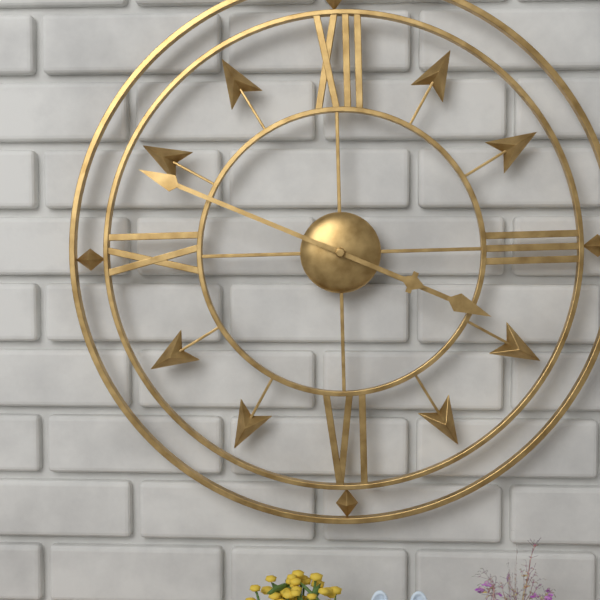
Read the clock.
3:49
